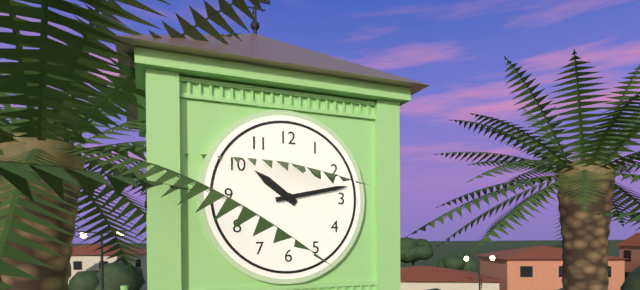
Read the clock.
10:13
